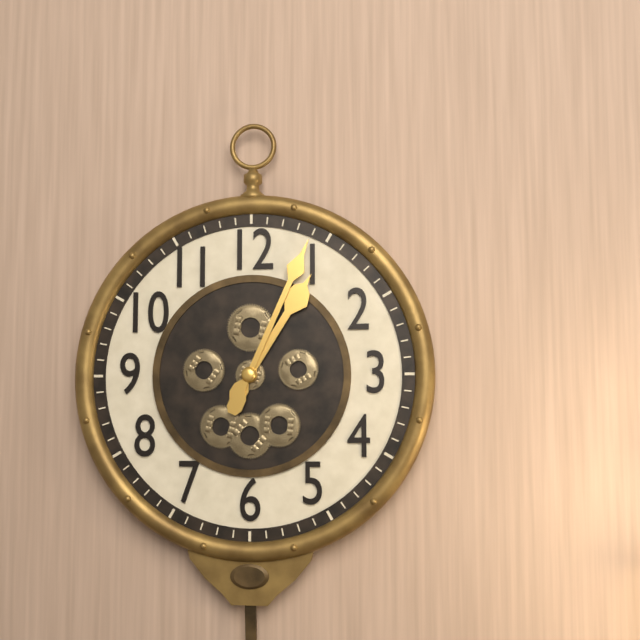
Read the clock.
1:04
